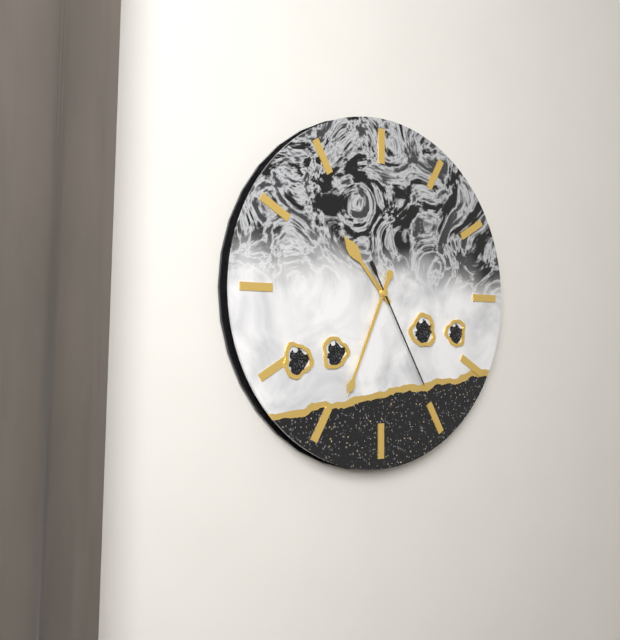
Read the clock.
10:34:25
